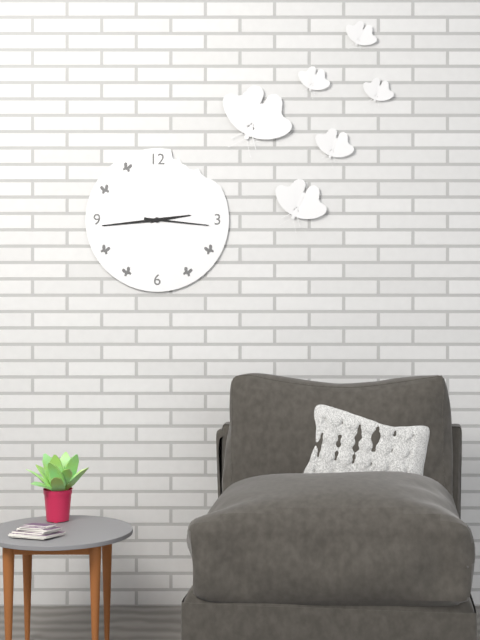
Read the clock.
2:44:16
